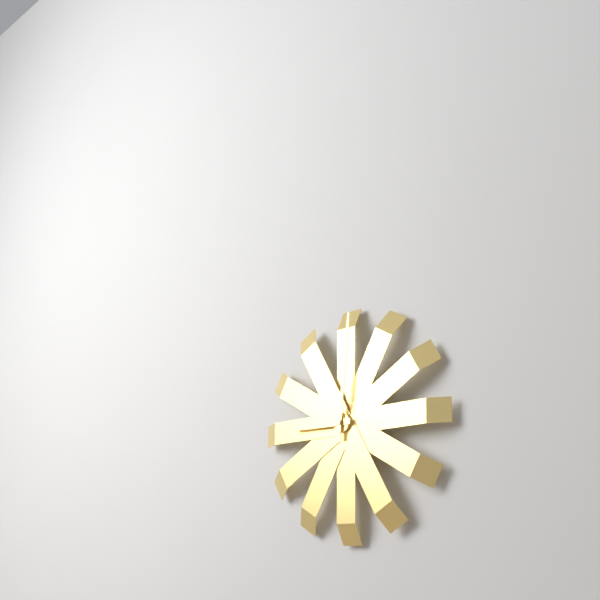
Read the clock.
9:01
